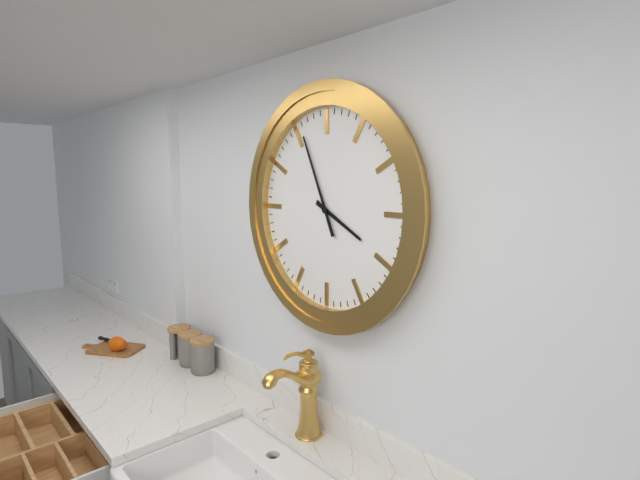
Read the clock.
3:56
